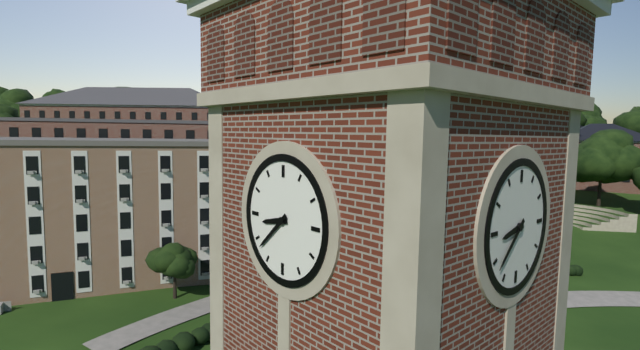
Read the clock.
8:38
